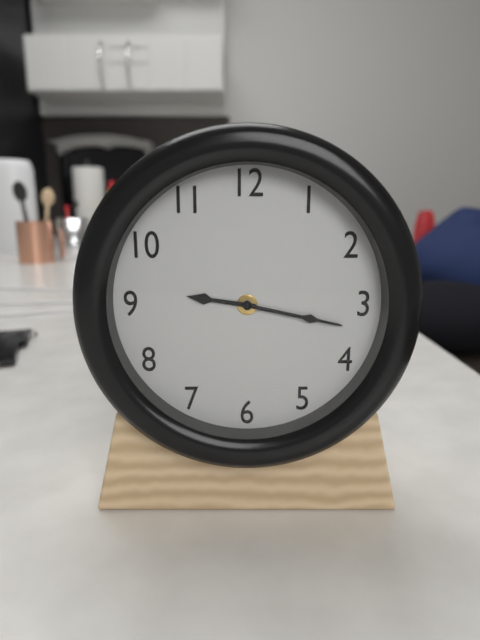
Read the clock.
9:17
